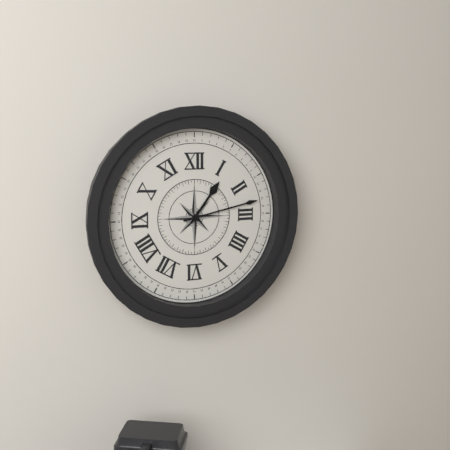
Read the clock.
1:13
